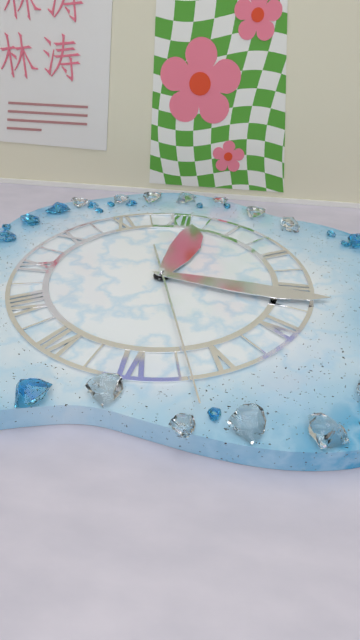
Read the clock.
12:16:27
